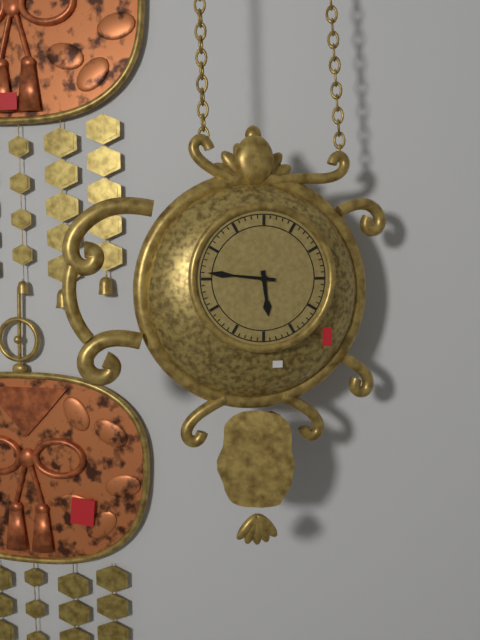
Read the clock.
5:46
